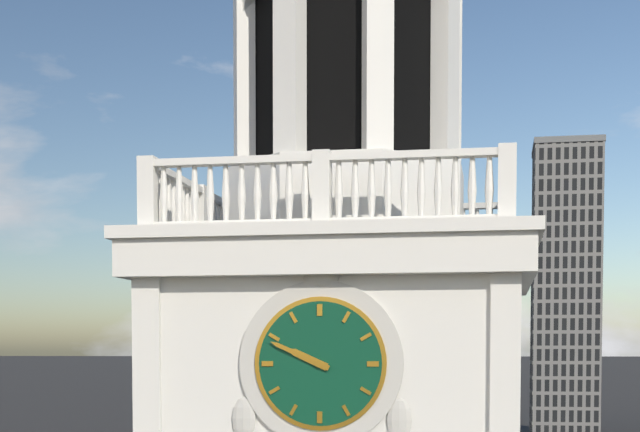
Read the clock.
9:49
